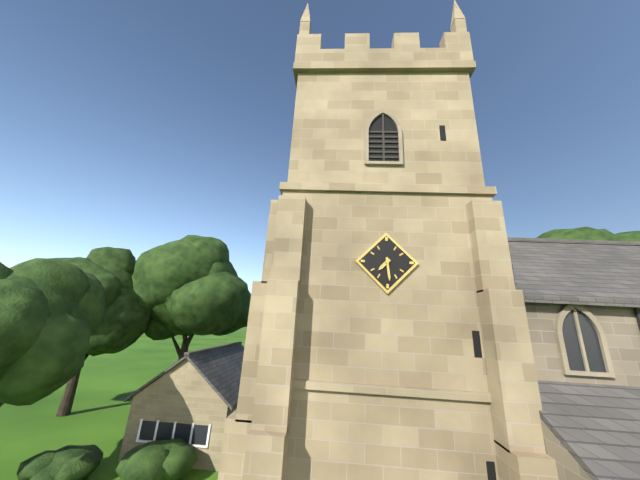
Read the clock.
7:29
